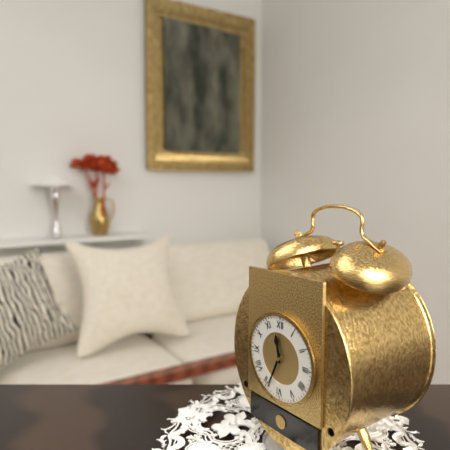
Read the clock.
11:34
